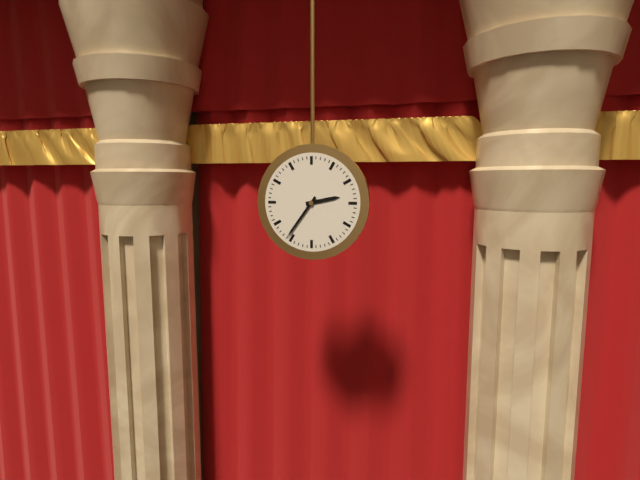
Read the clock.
2:36
